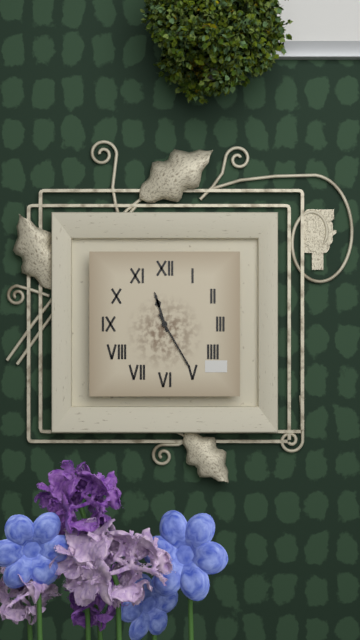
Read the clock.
11:25
